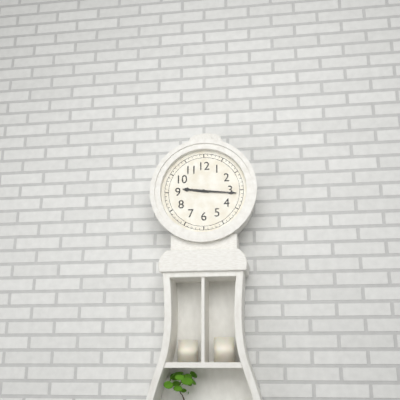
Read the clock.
9:16
